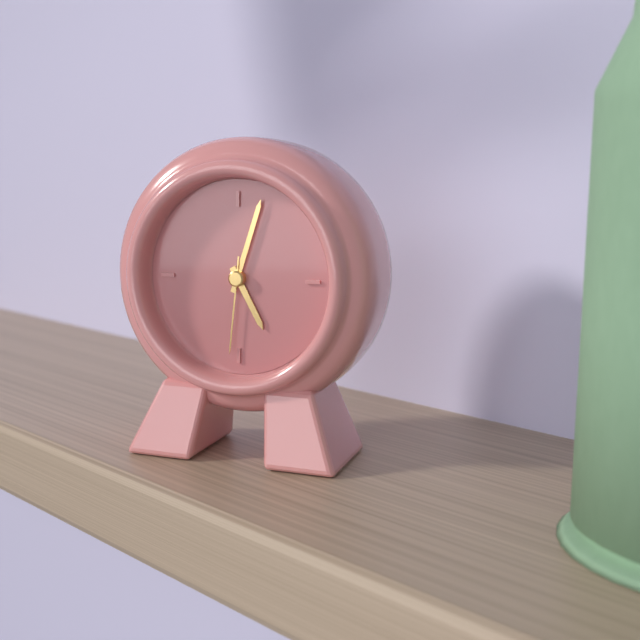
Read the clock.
5:03:31
